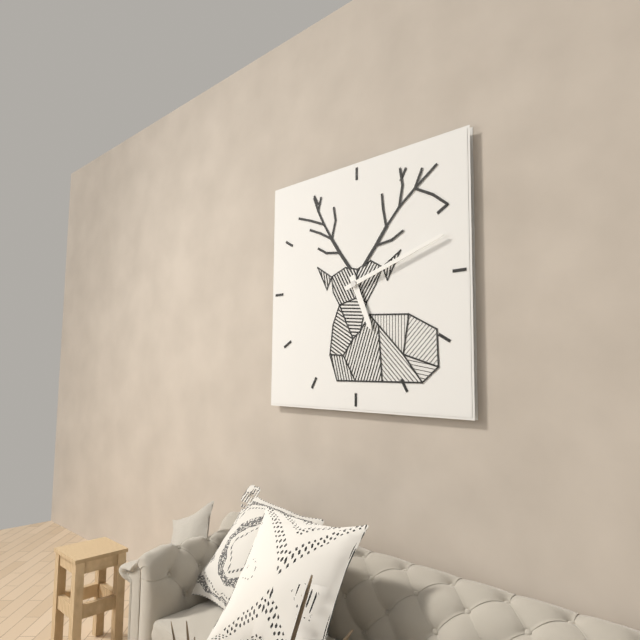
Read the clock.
5:12
